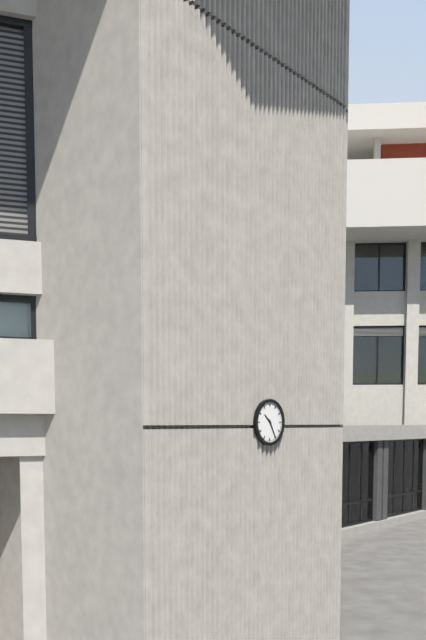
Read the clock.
10:25
